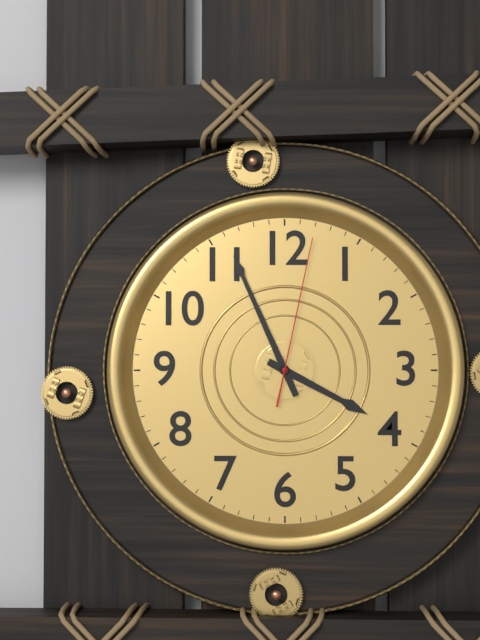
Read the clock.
3:56:02
